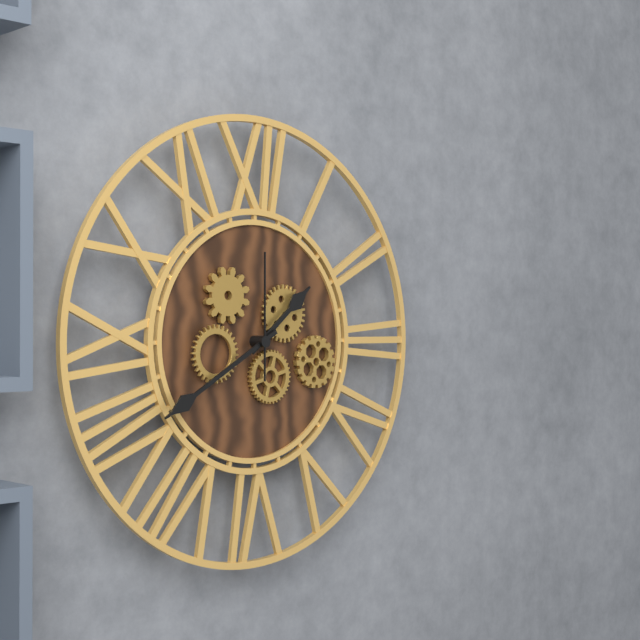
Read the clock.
1:40:00
